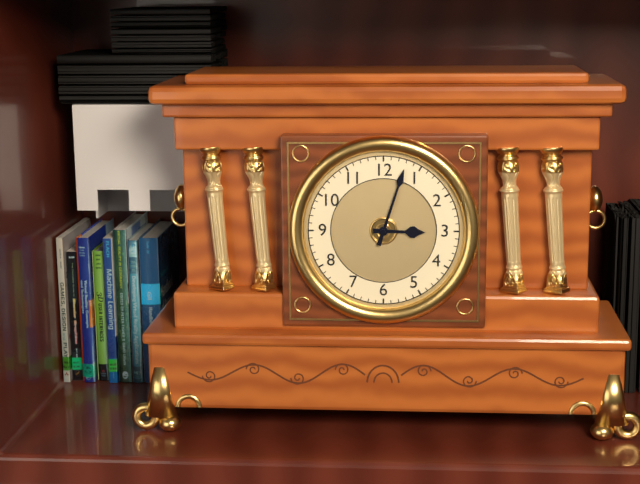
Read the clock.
3:03
